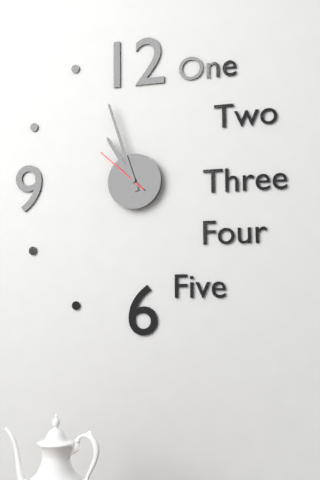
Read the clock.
10:57:52
